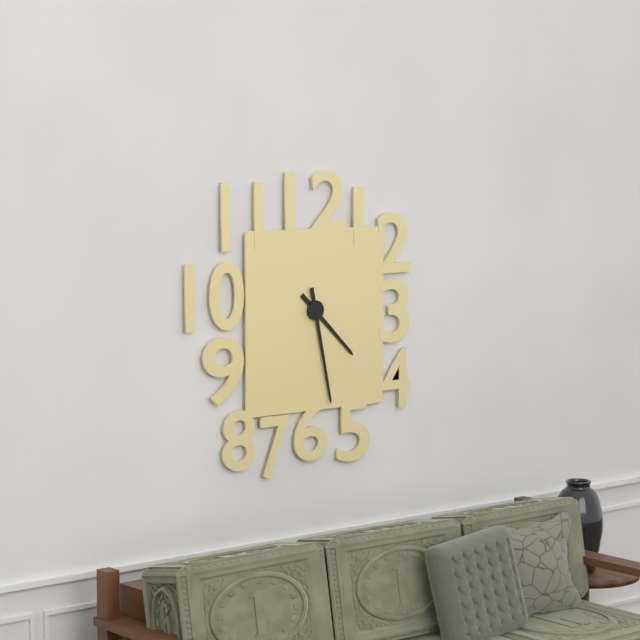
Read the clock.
4:28
